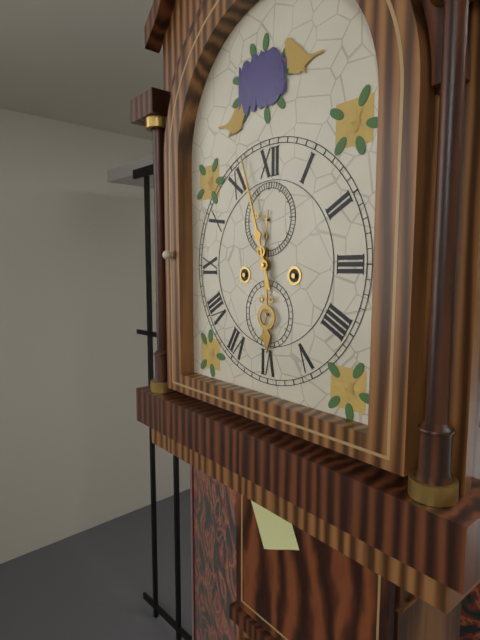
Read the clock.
5:57
